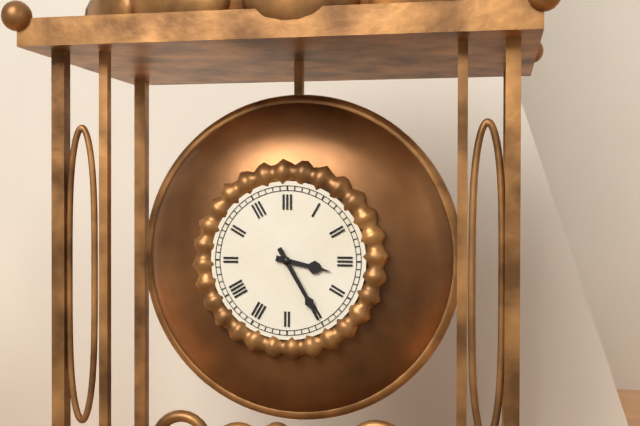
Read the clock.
3:25
